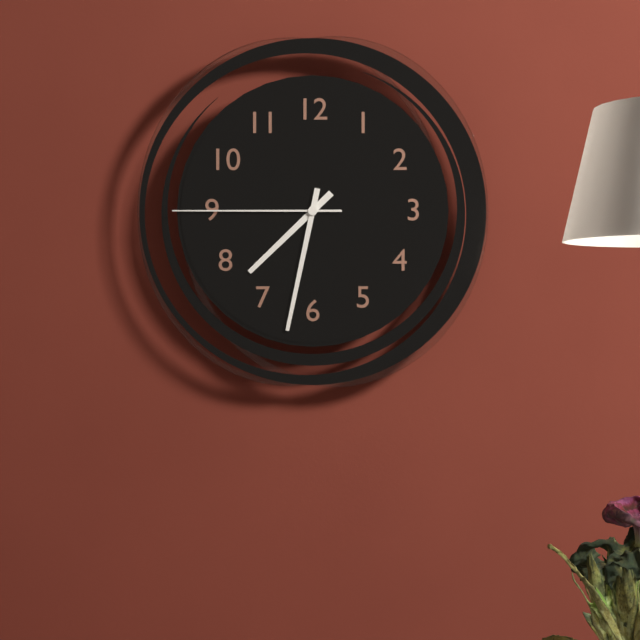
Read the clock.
7:32:45
